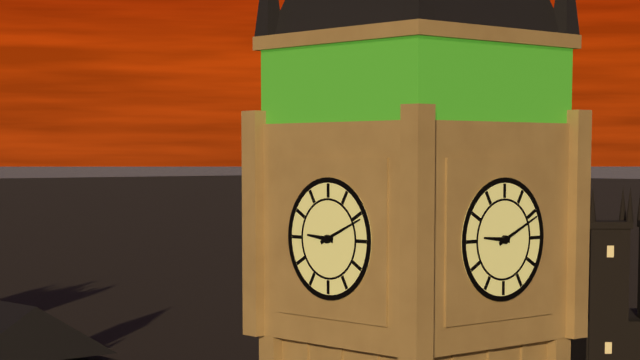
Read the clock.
9:11
